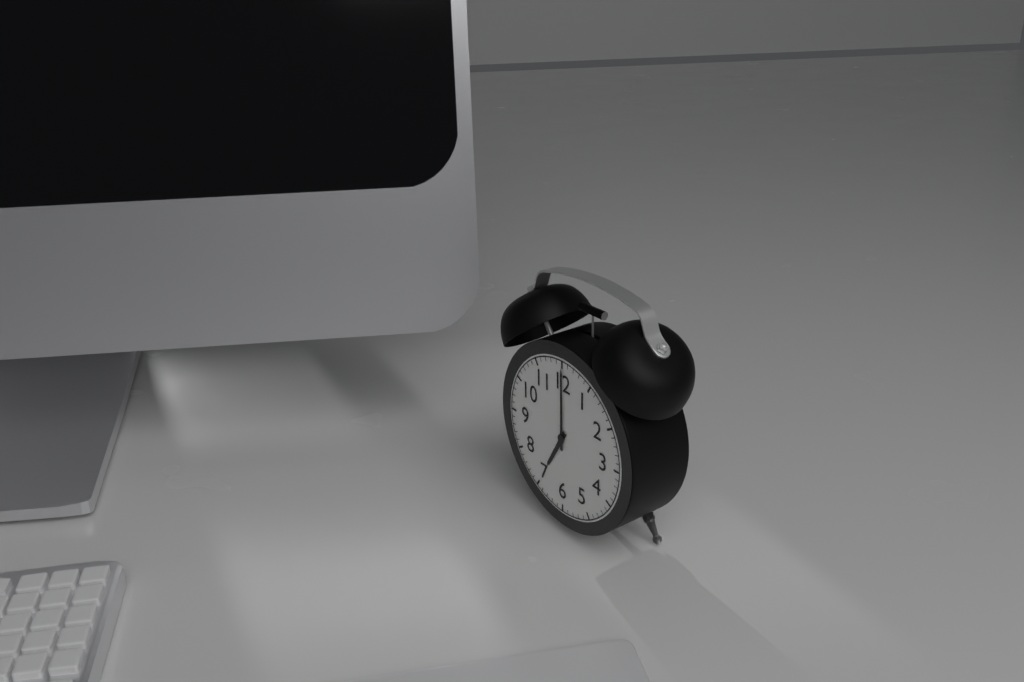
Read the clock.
7:00
